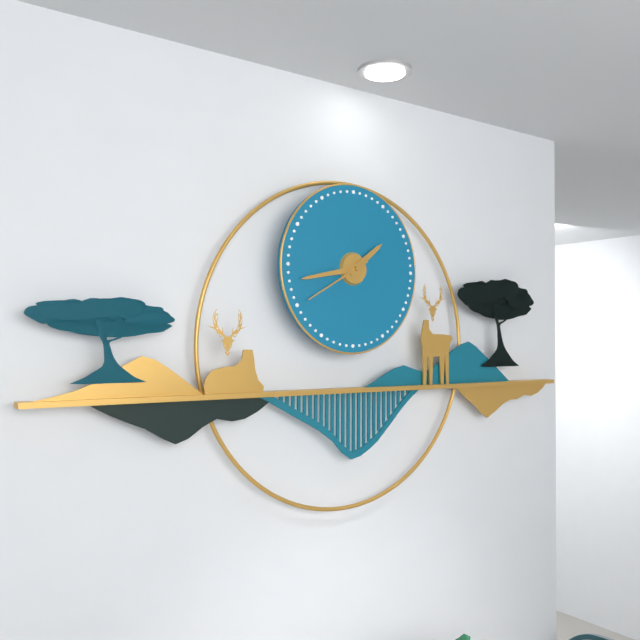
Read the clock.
1:43:40
